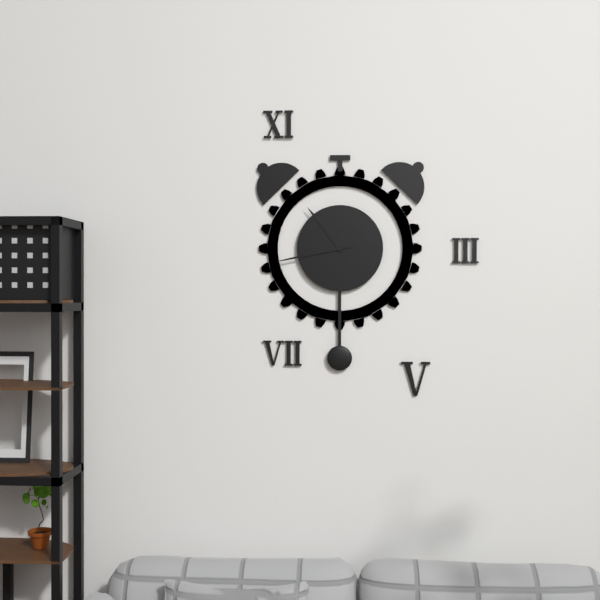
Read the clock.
10:43
